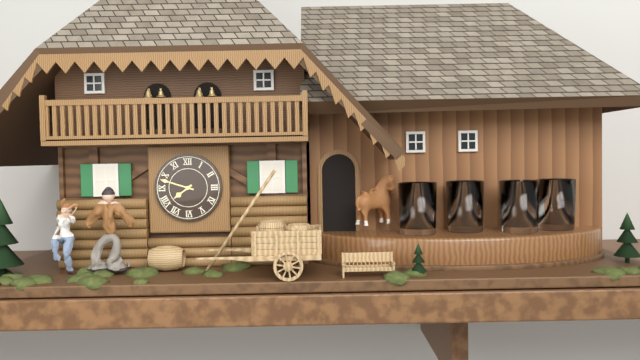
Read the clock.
7:48
